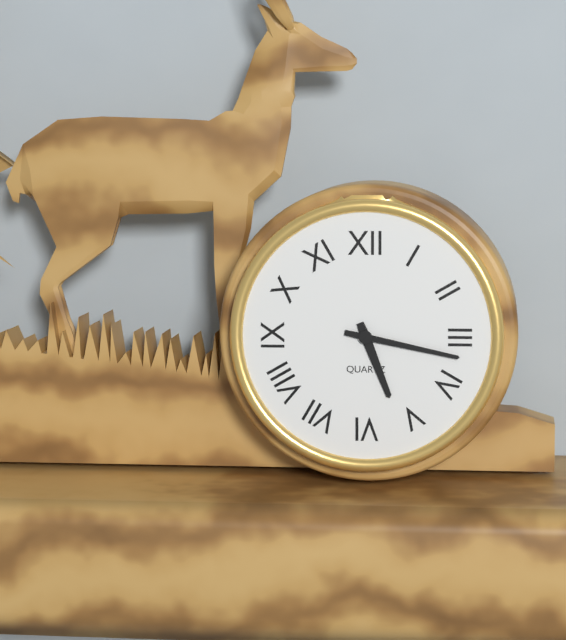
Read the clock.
5:17
